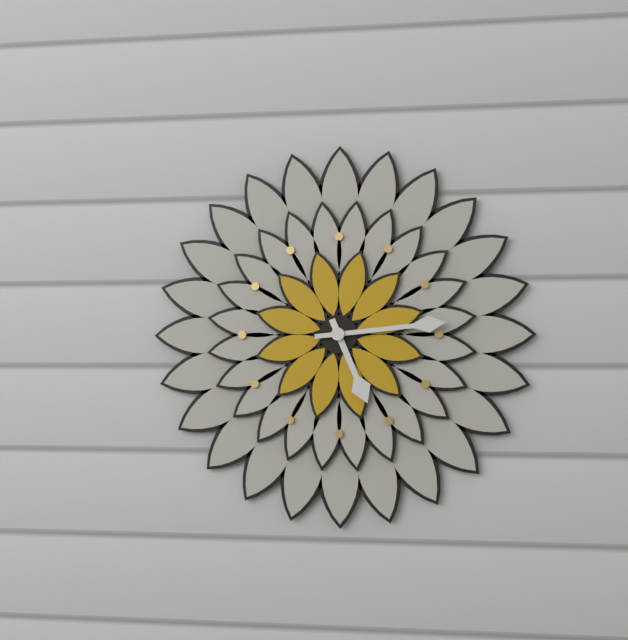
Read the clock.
5:14
